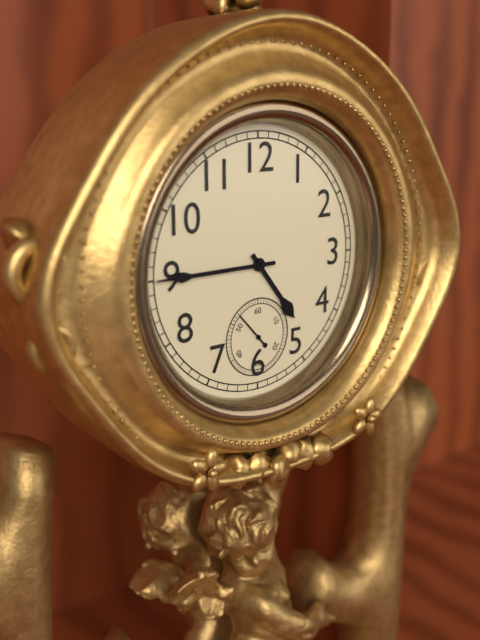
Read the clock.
4:45
